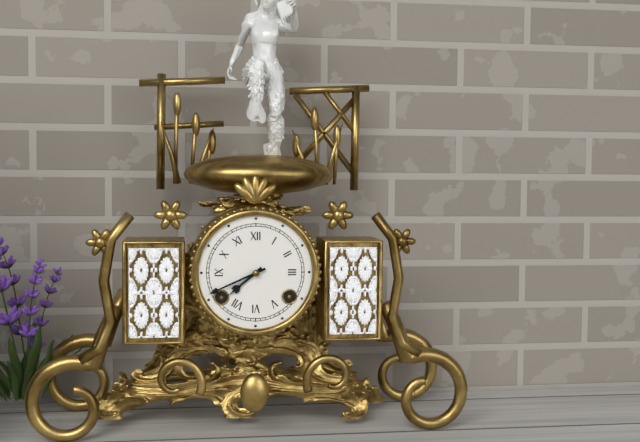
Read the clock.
7:41
